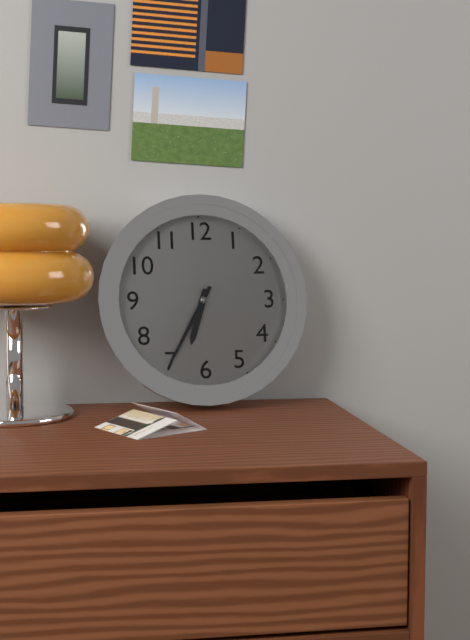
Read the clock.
6:35
